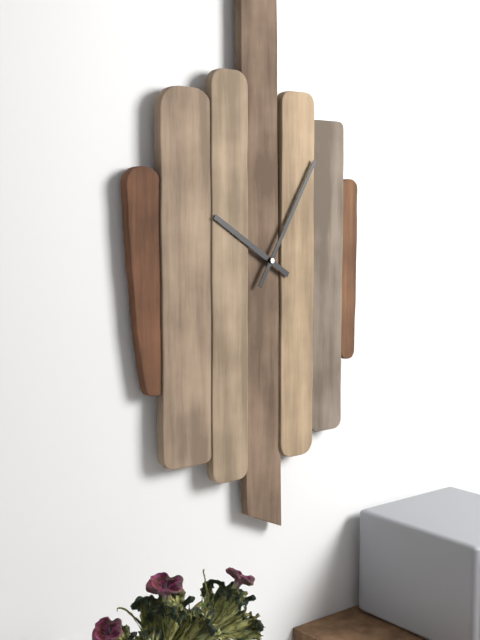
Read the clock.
10:05
